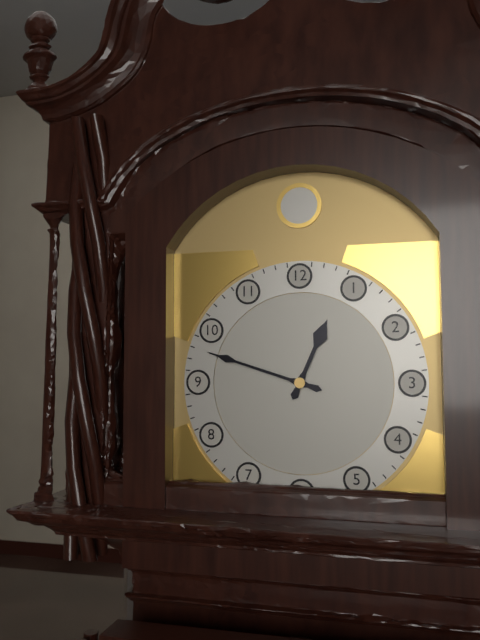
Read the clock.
12:48
